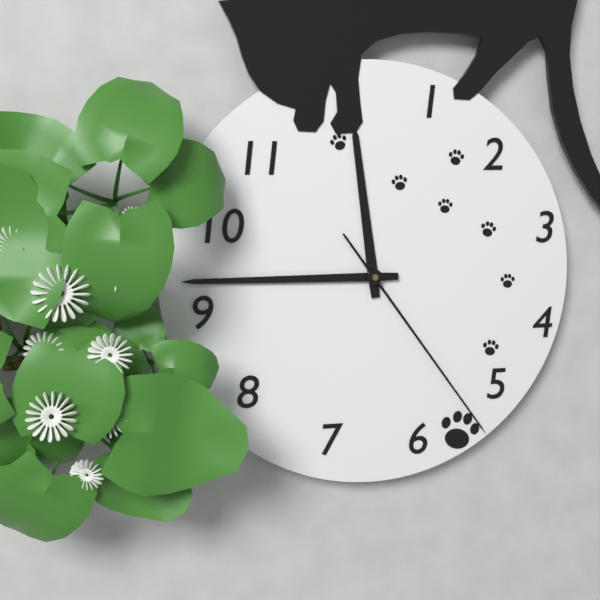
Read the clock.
11:45:24
